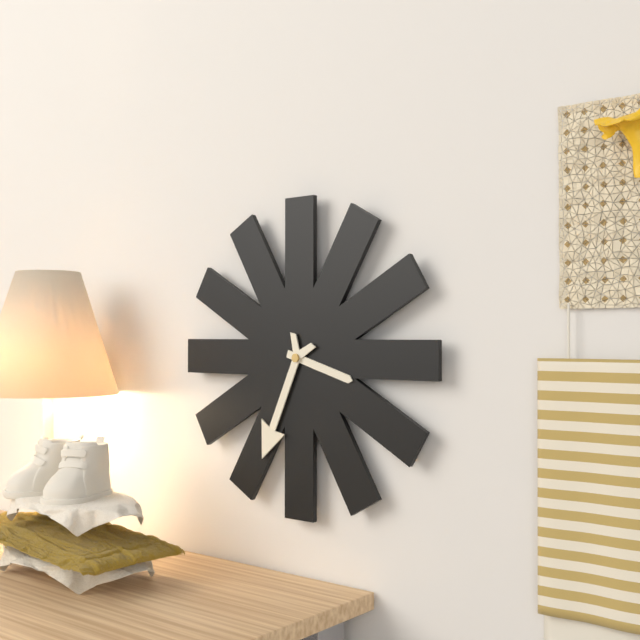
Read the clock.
3:34
